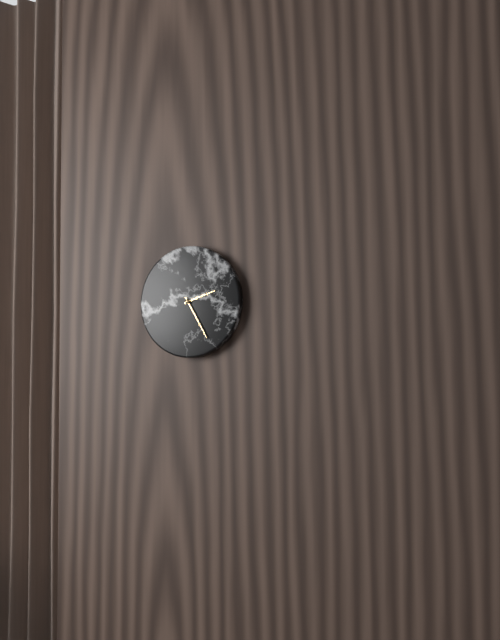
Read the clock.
2:25
